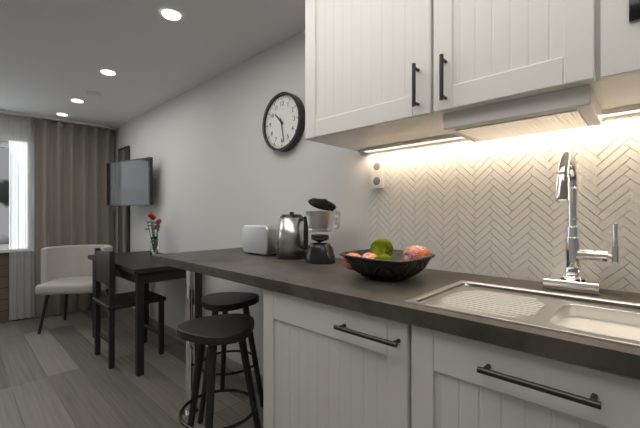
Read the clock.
10:28
